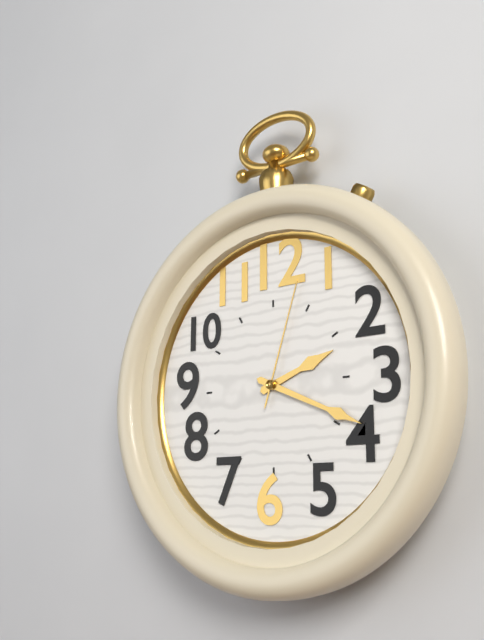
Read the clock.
2:19:03
